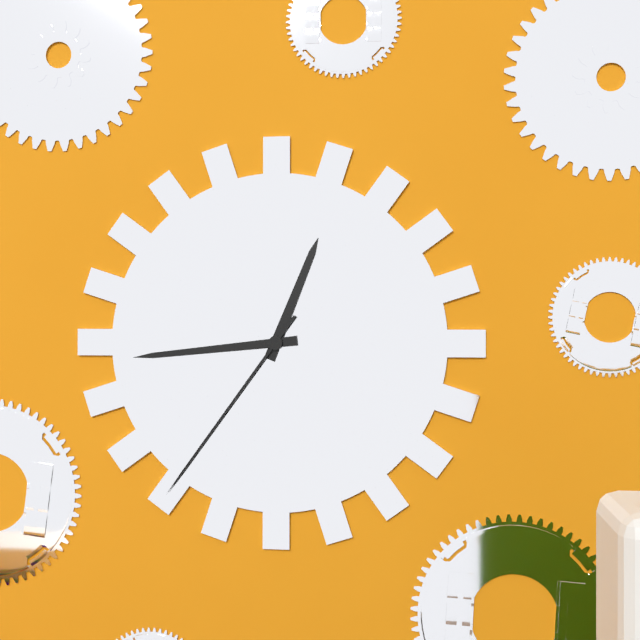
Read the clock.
12:44:36
